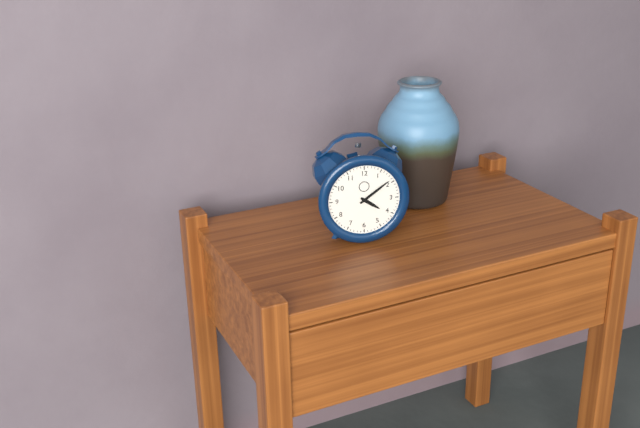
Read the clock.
4:09
